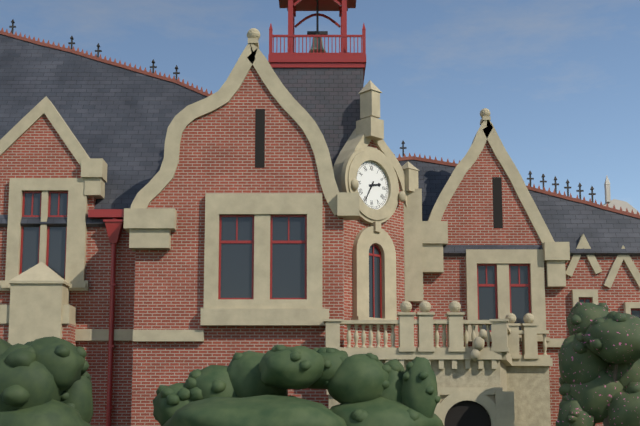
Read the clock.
2:35
